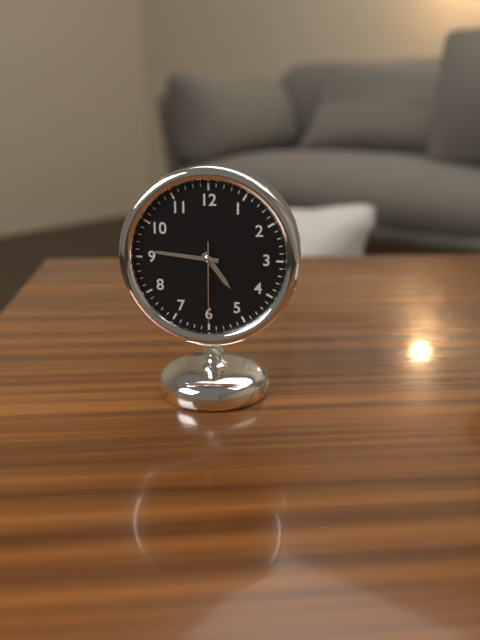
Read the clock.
4:46:30
